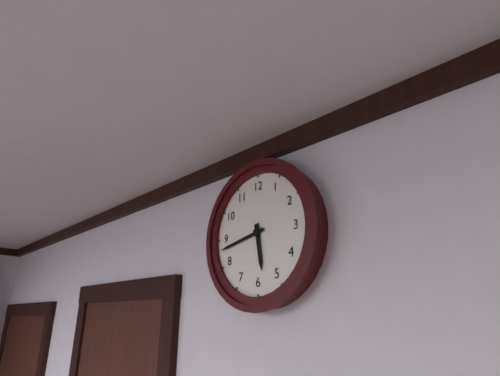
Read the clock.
5:43
